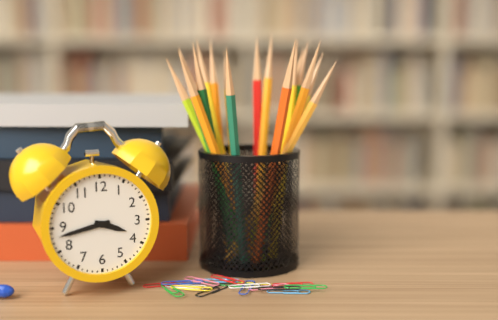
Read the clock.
3:43
